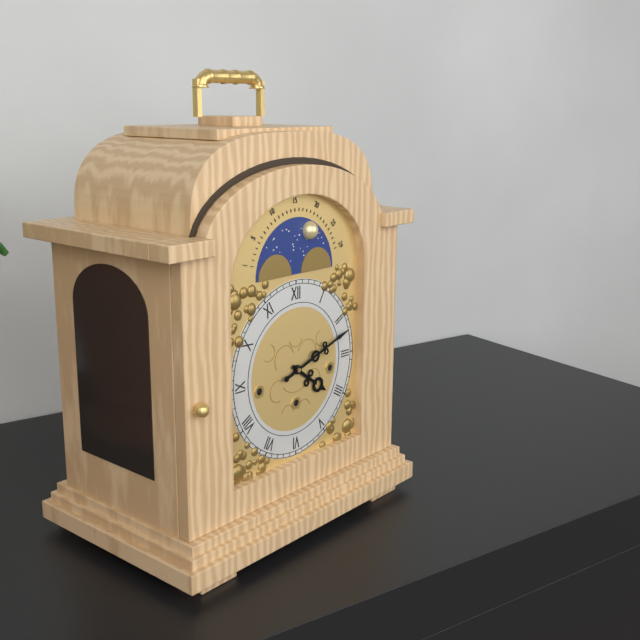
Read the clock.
4:12
